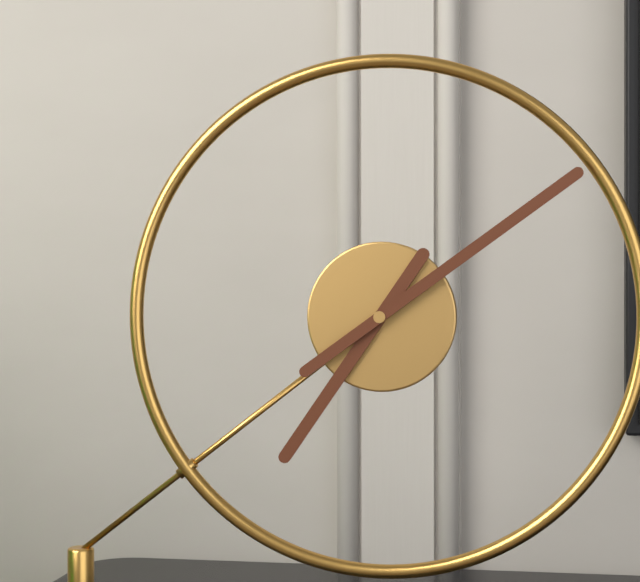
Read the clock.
7:09
